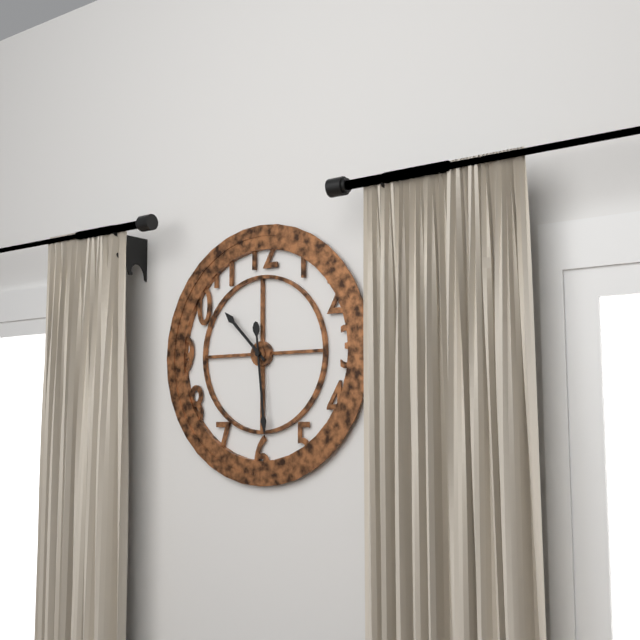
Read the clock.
10:29
